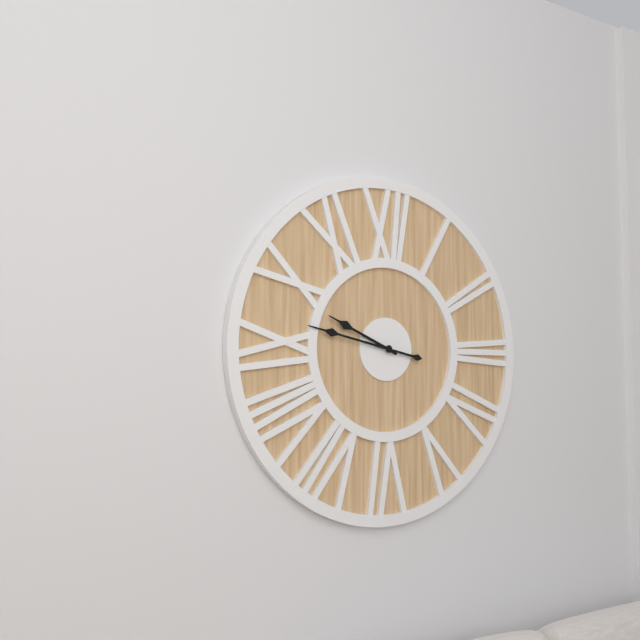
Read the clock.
9:47
